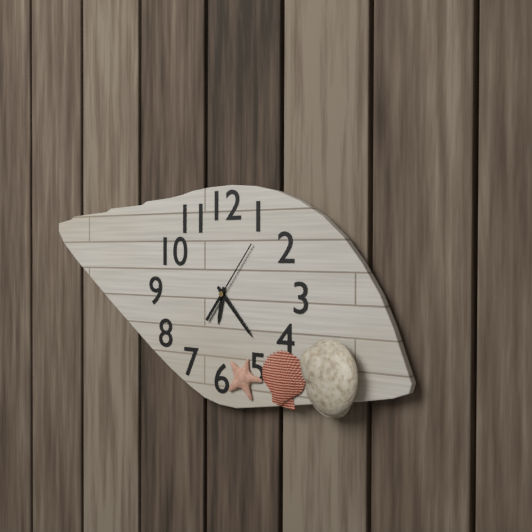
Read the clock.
6:23:06
